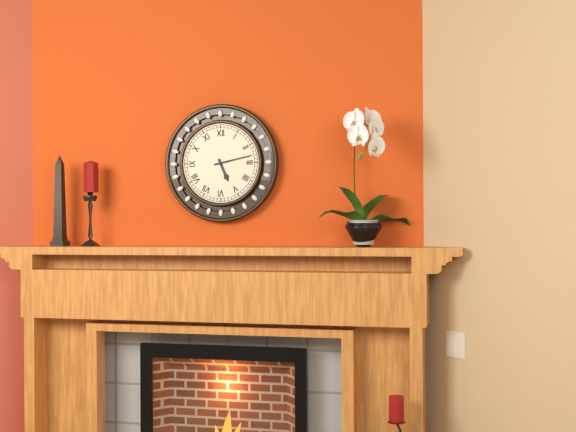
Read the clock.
5:13
